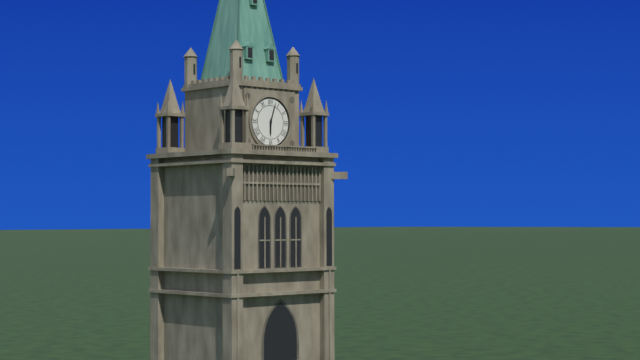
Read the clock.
6:03
